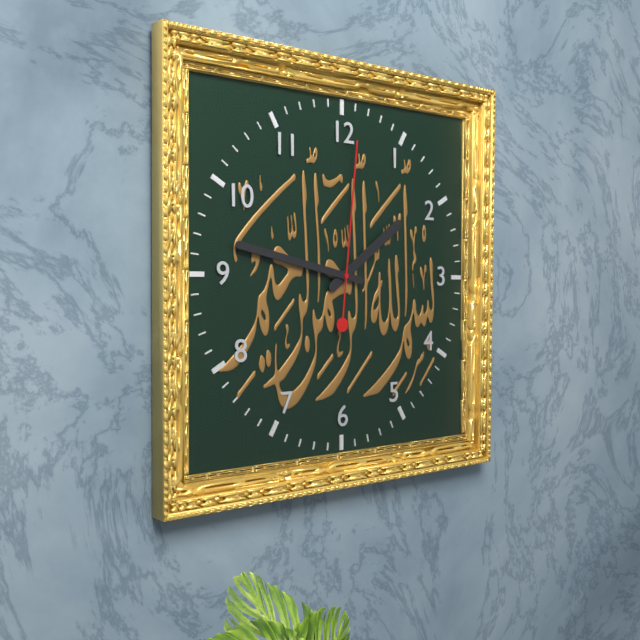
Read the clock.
1:47:01
